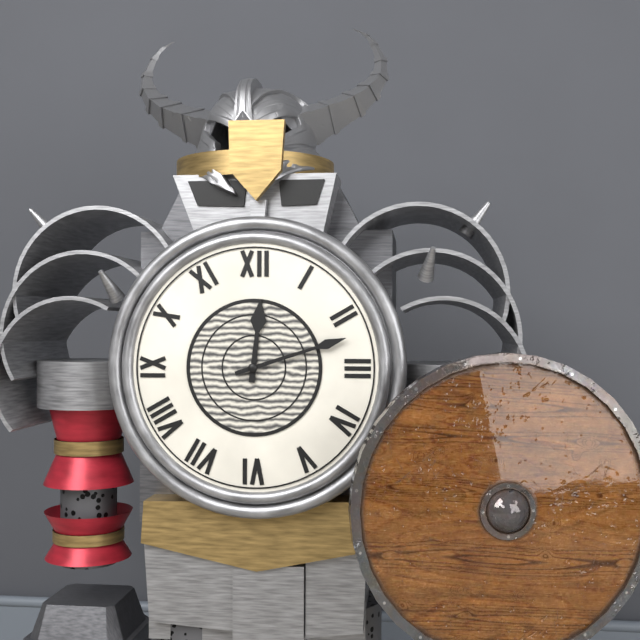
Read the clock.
12:12
